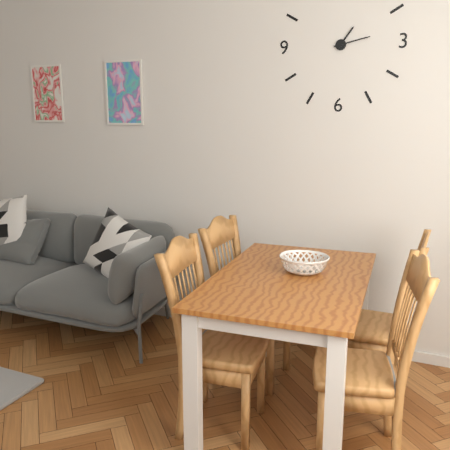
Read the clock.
1:13
